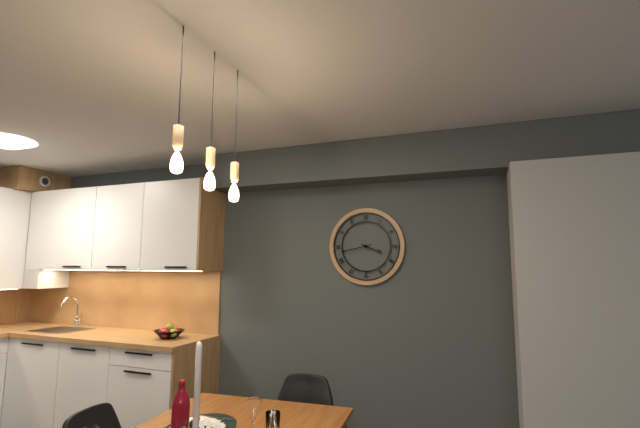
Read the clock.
3:43
